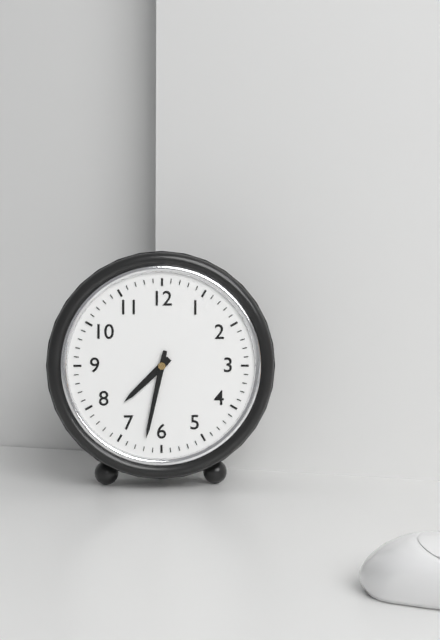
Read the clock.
7:32
